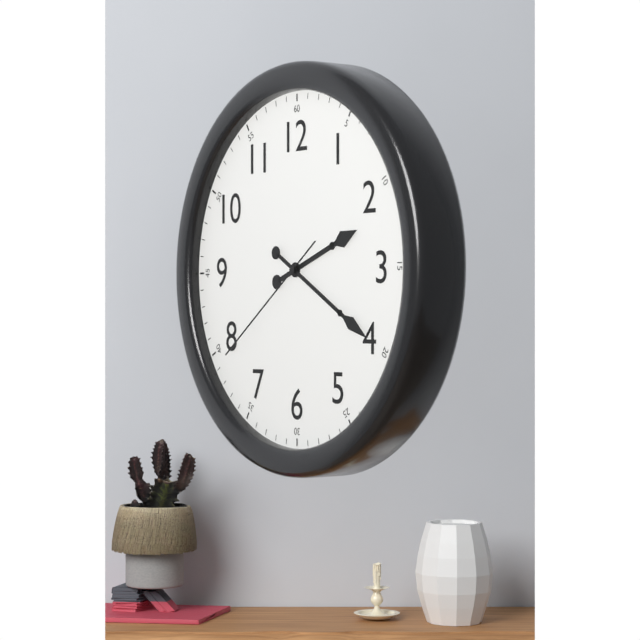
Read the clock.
2:20:39
